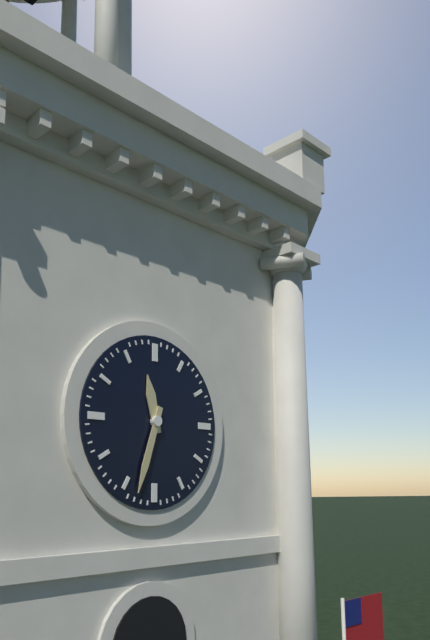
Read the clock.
11:33
